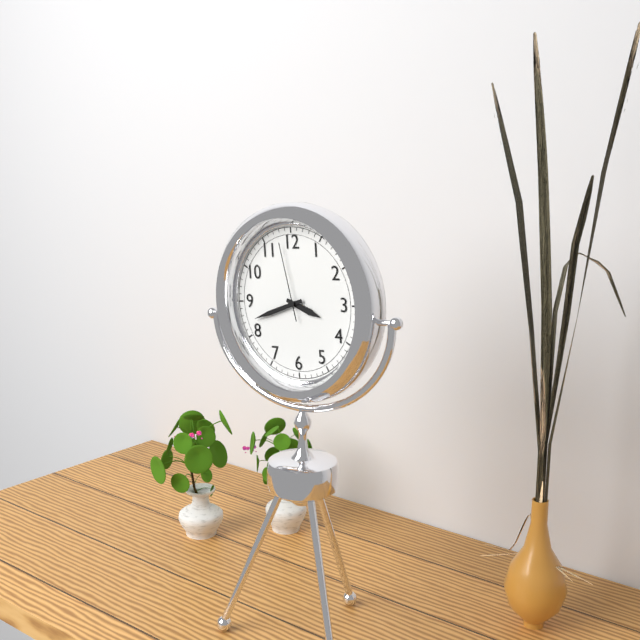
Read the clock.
3:42:58
